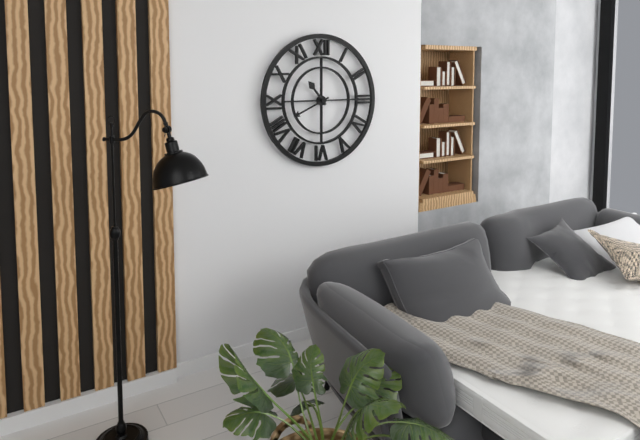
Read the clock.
10:41
